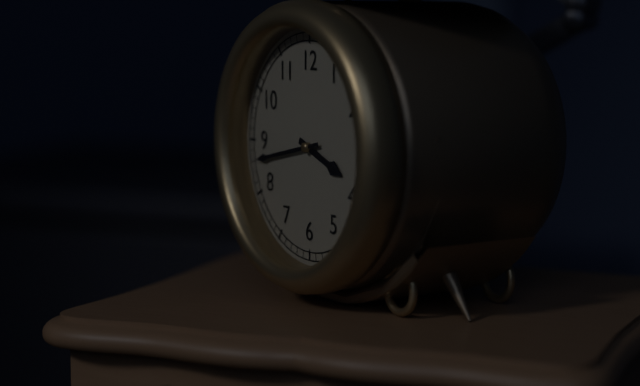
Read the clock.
3:43
